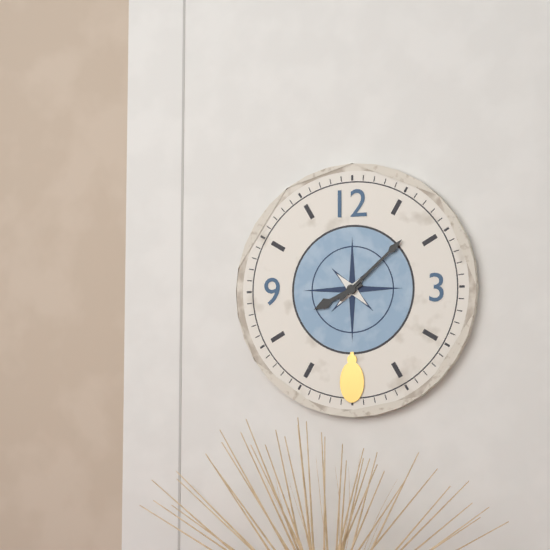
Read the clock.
8:08
